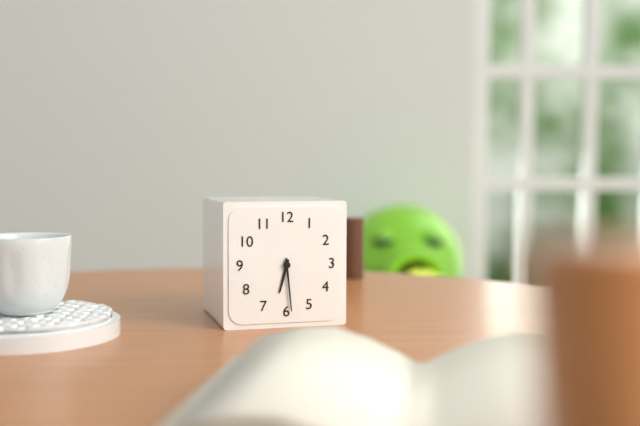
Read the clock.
6:29
